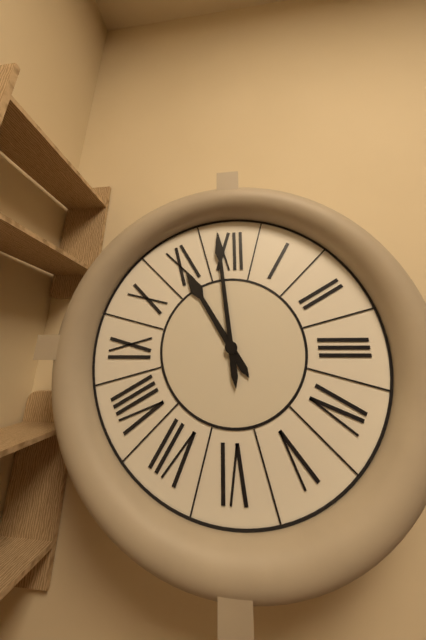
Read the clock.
10:59
